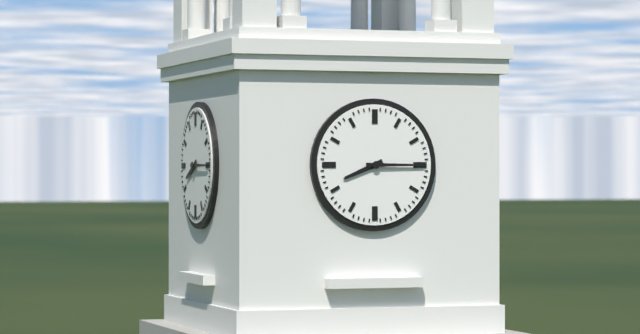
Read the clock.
8:15
